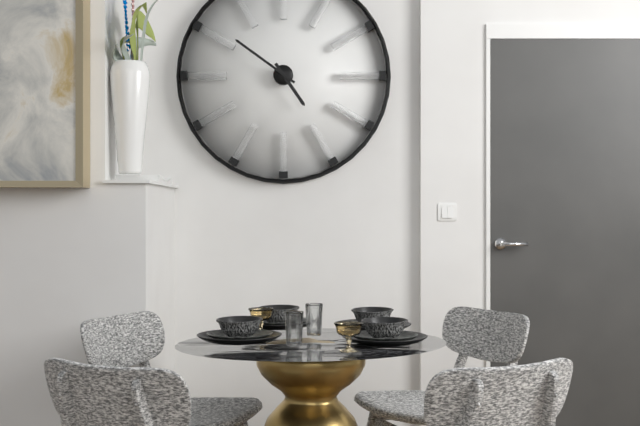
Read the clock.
4:51
